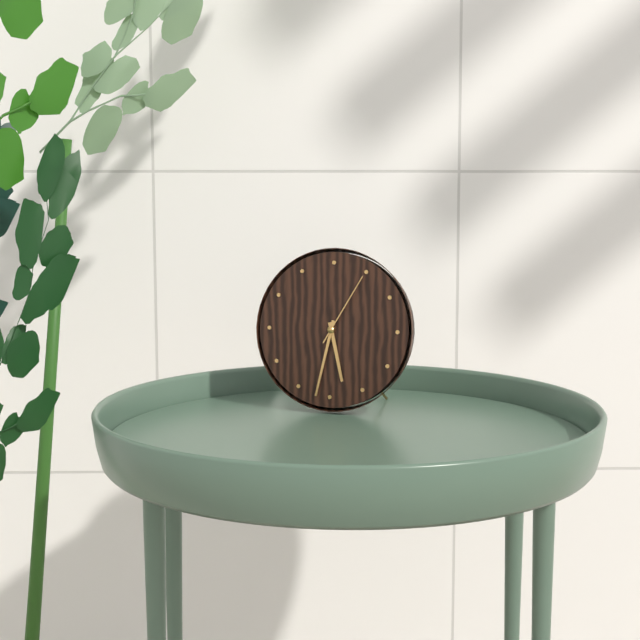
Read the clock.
5:32:05
